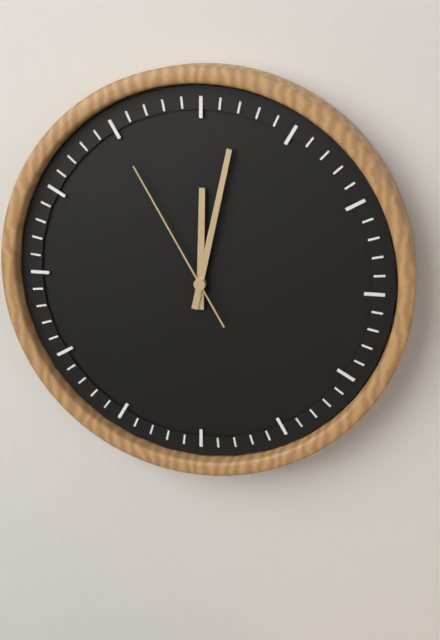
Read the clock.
12:02:55
